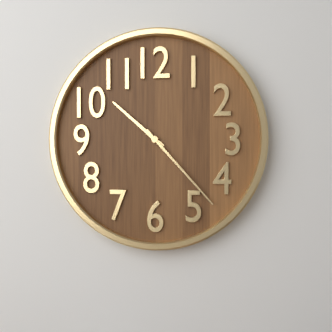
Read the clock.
10:23
